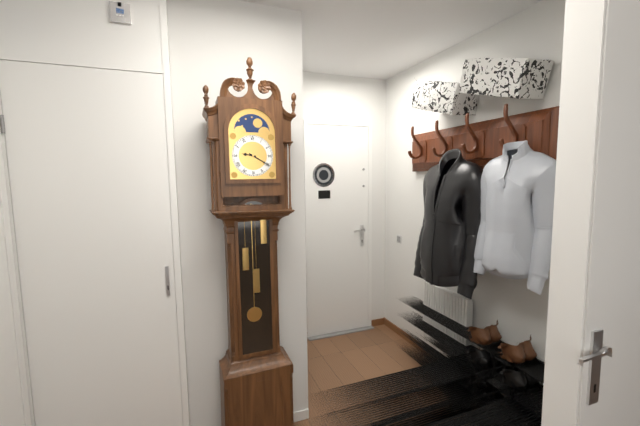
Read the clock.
9:20
